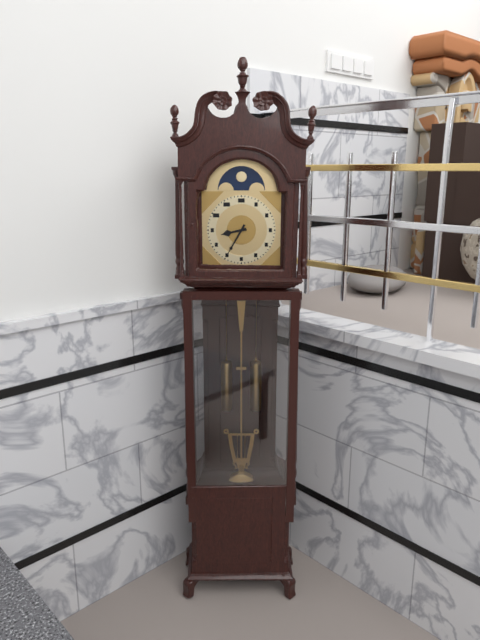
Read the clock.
8:35
